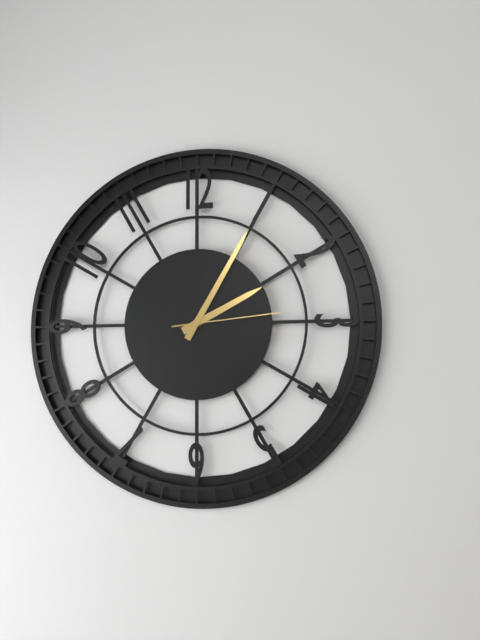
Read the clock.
2:05:14
